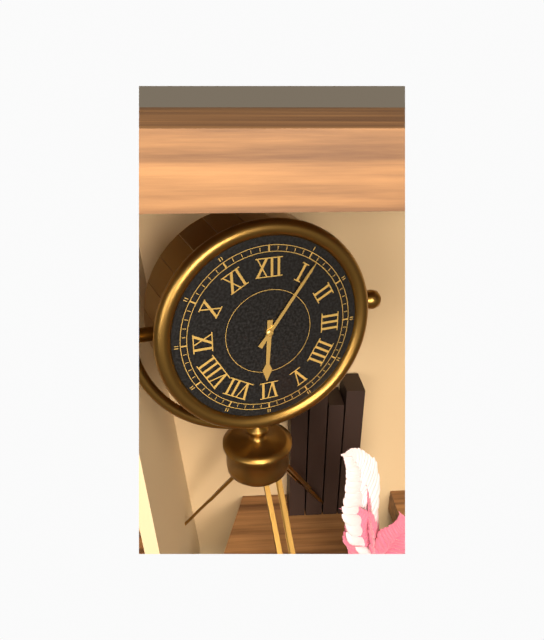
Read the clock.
6:06
